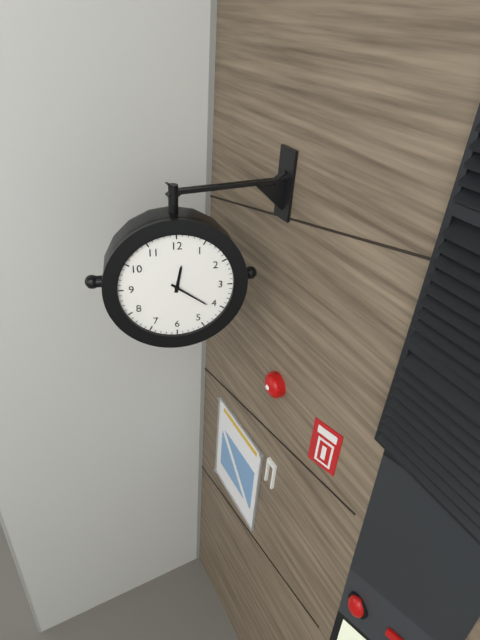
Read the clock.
12:21
